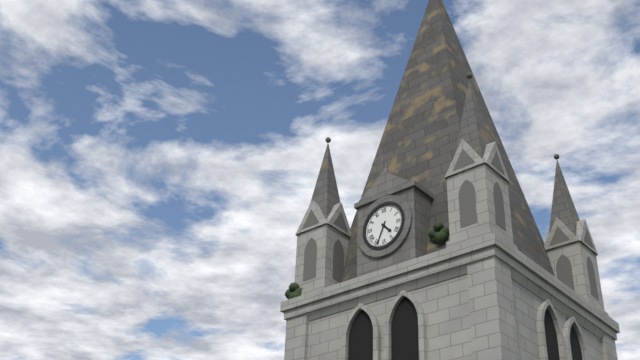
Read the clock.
4:34
